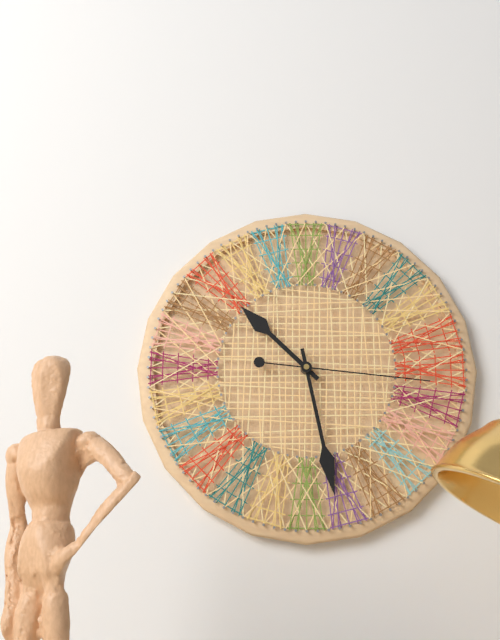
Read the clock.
10:28:16
